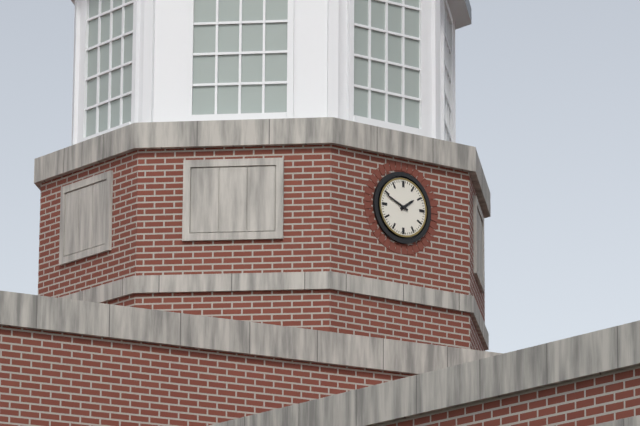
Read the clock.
1:49
